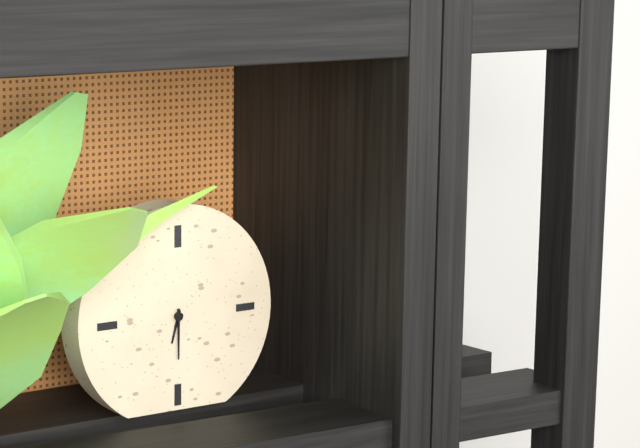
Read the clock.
6:30
